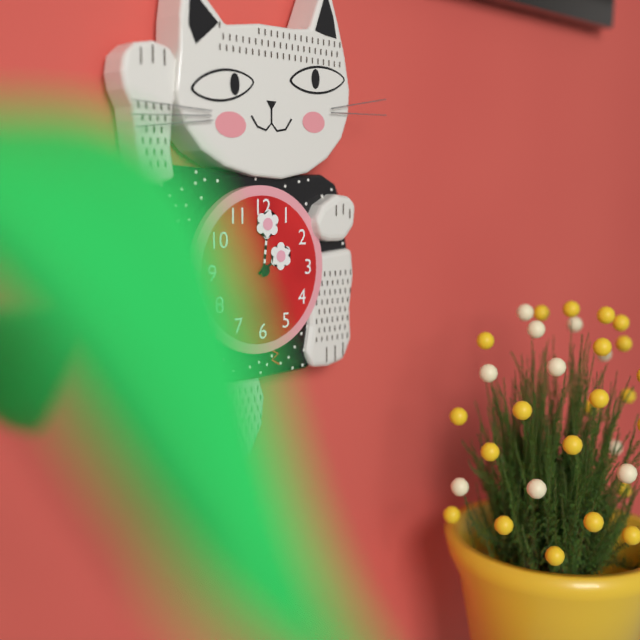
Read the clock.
2:01
